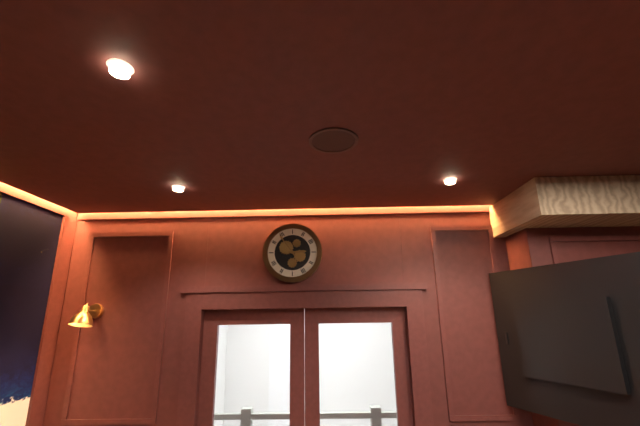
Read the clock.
2:54
